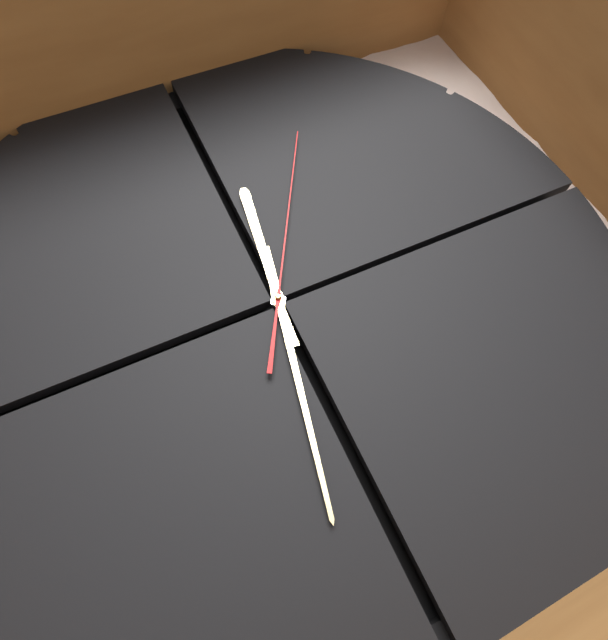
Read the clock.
9:17:50
